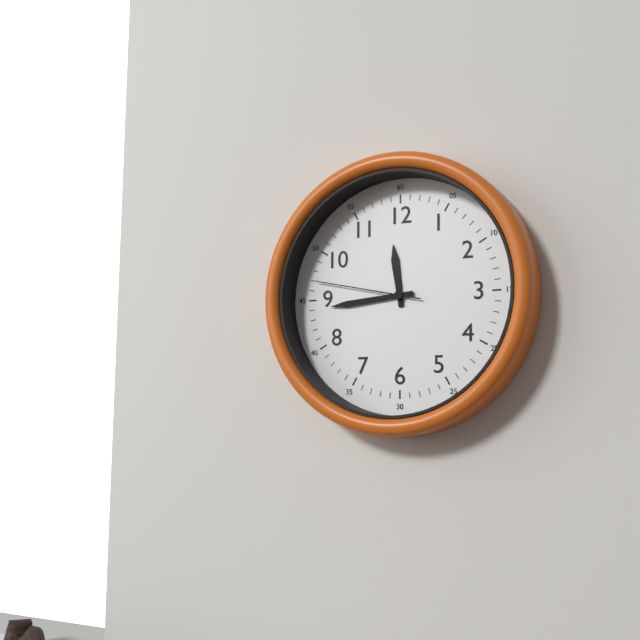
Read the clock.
11:44:47
